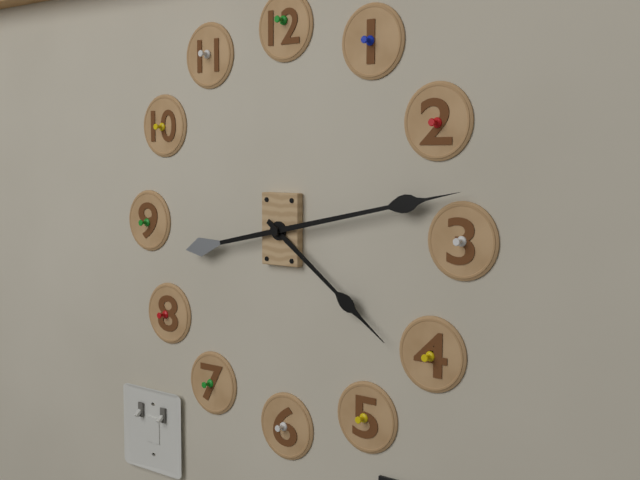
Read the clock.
4:13
